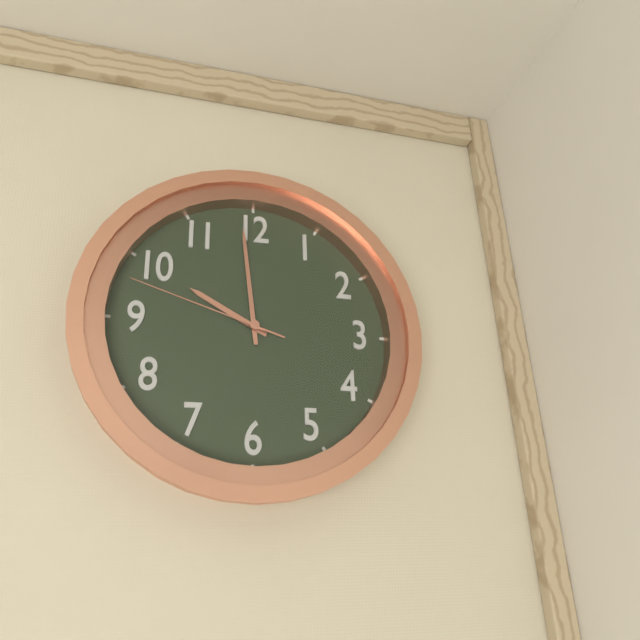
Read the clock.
9:59:48
